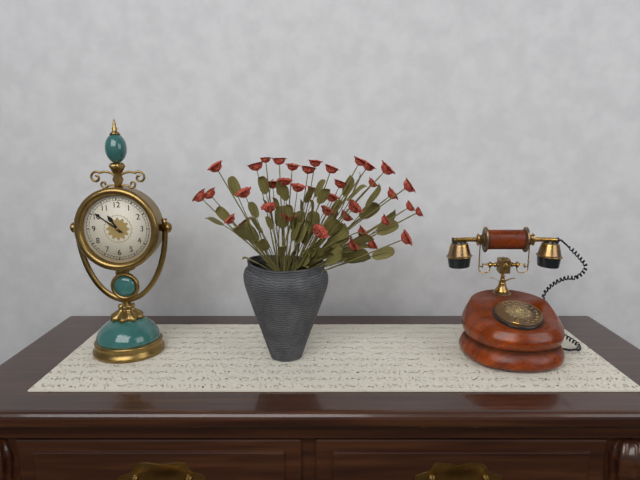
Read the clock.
10:51
